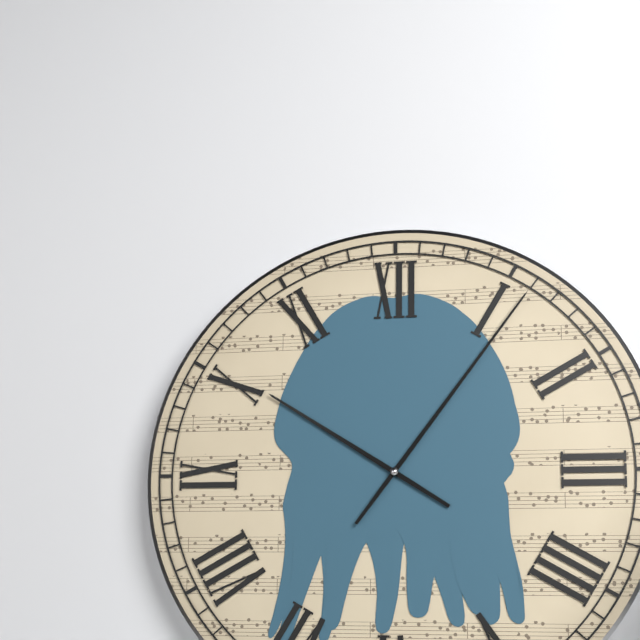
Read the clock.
10:06
